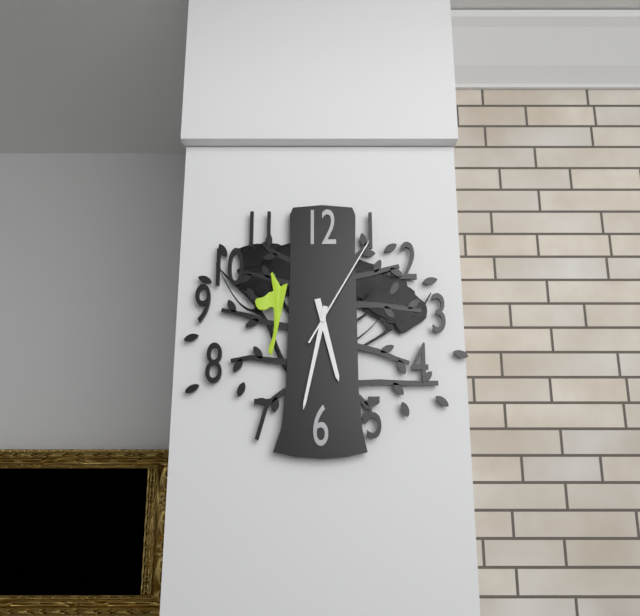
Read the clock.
5:32:05
